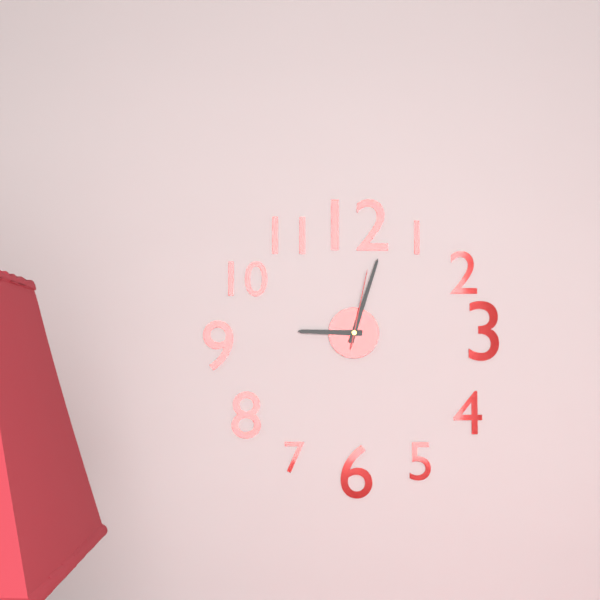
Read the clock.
9:03:02
